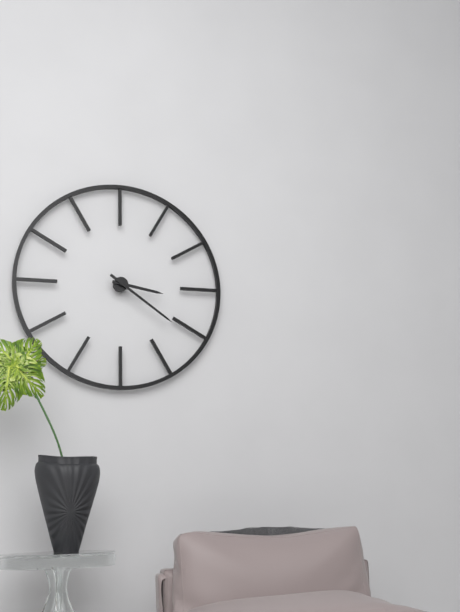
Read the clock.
3:21
